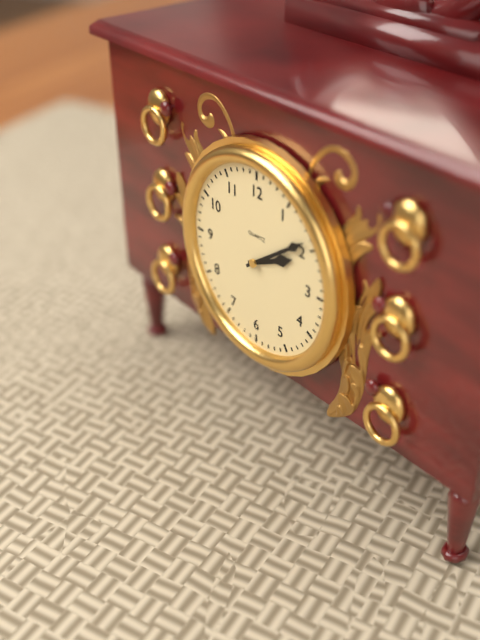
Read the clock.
2:09
